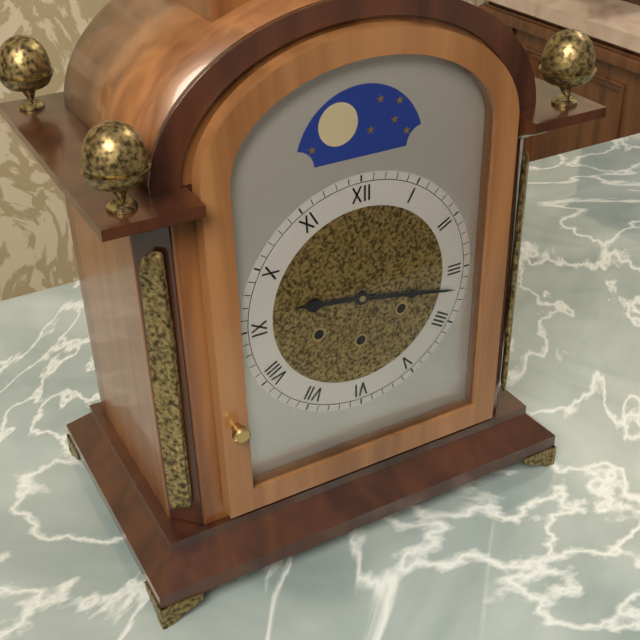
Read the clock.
9:17
